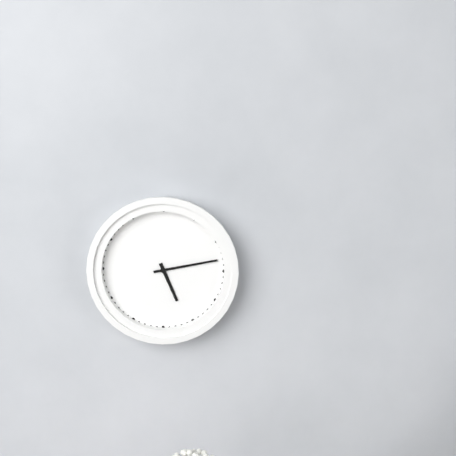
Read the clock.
5:13
